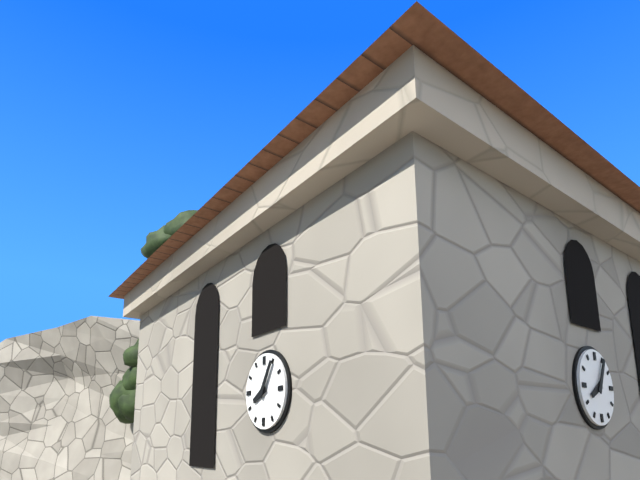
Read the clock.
8:05
